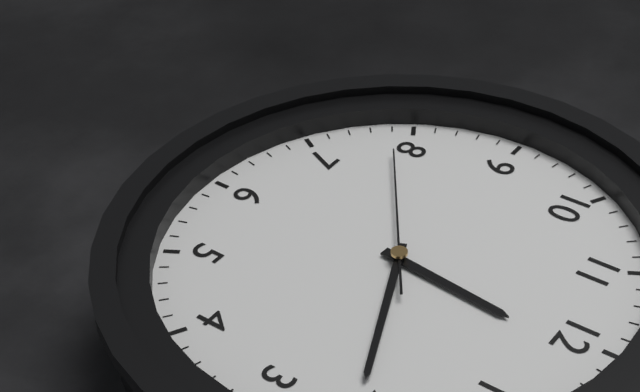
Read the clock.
12:11:39
